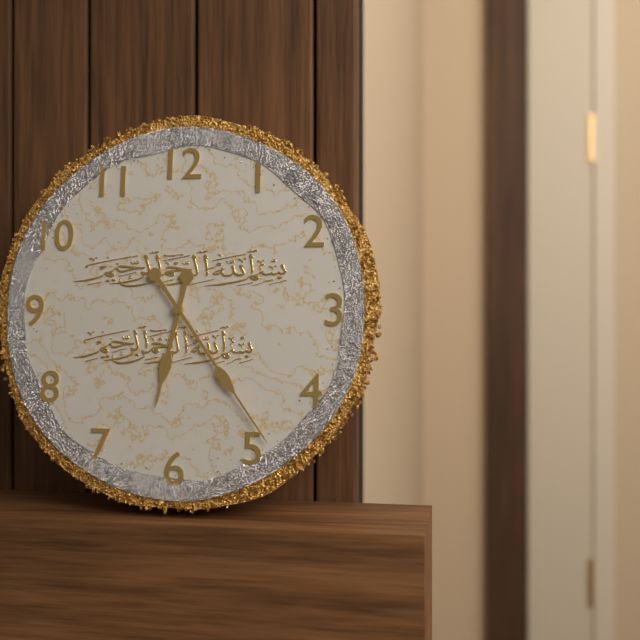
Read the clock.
6:24
